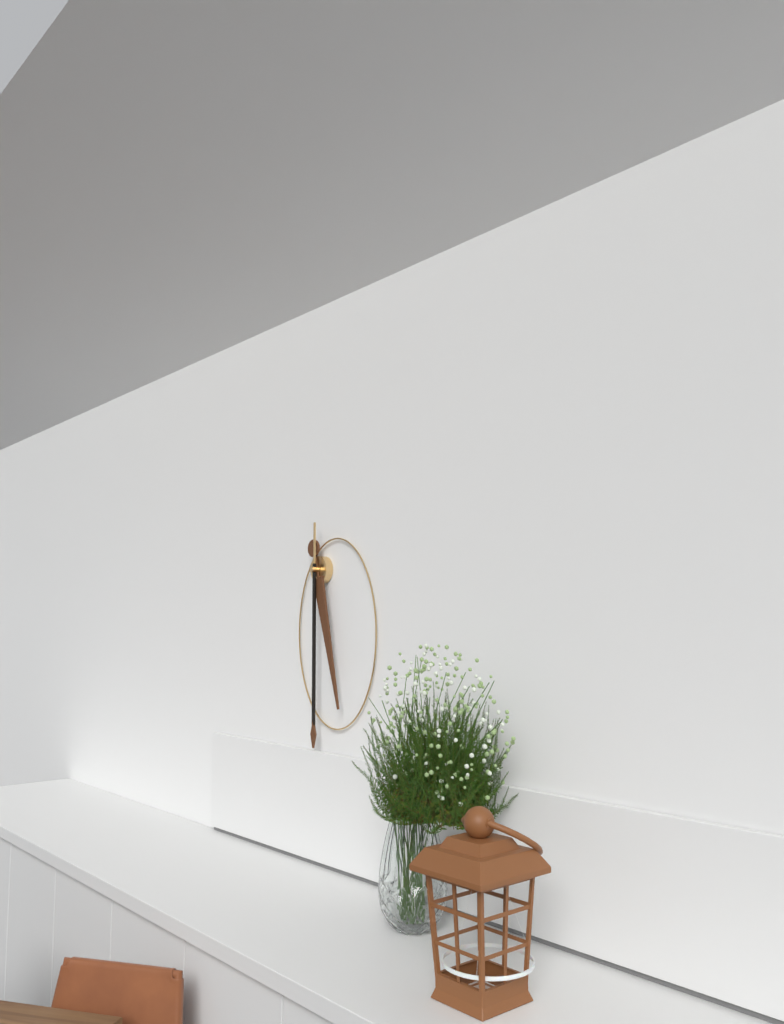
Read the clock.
5:30
